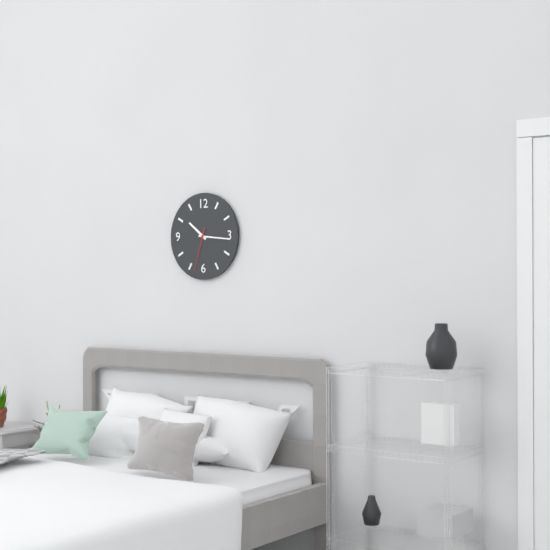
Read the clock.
10:16
